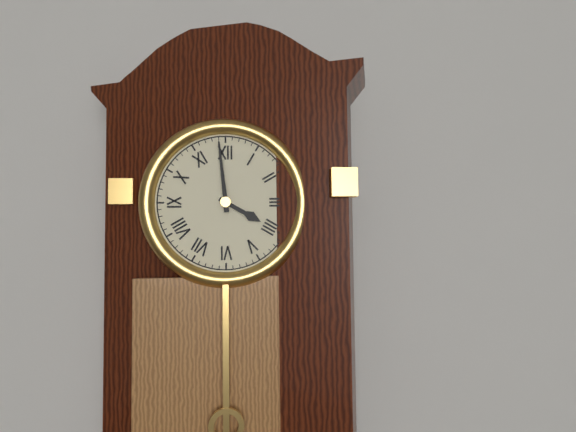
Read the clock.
3:59
